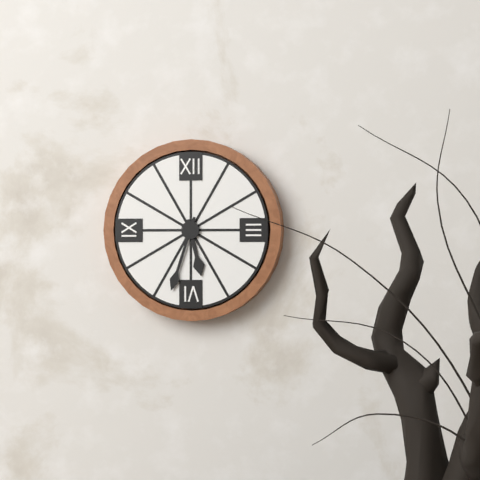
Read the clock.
5:33
